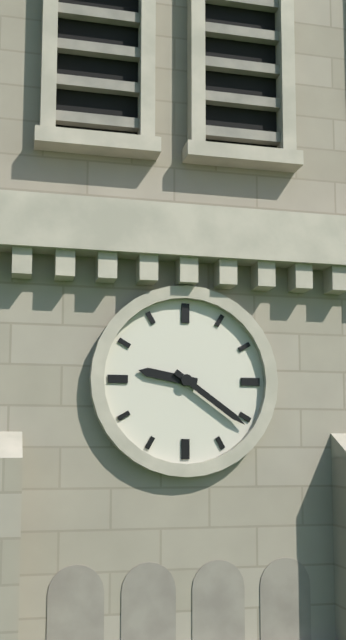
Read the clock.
9:21
